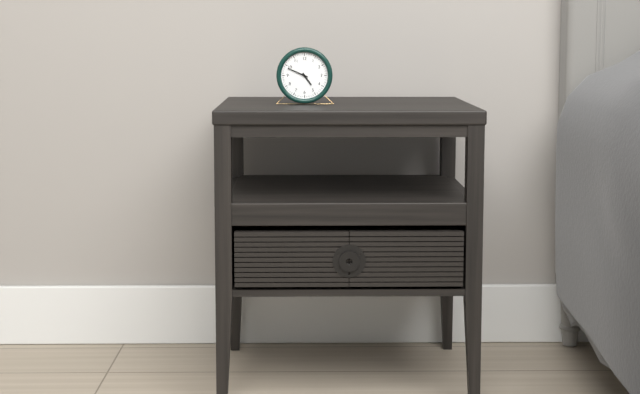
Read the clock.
4:49
